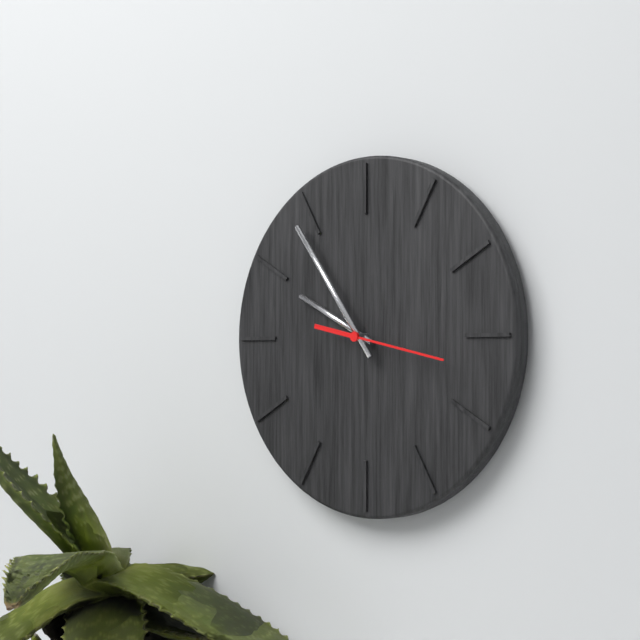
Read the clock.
9:54:17
